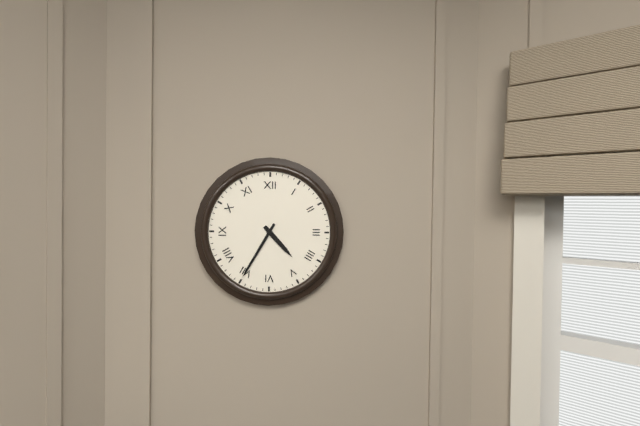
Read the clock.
4:35
